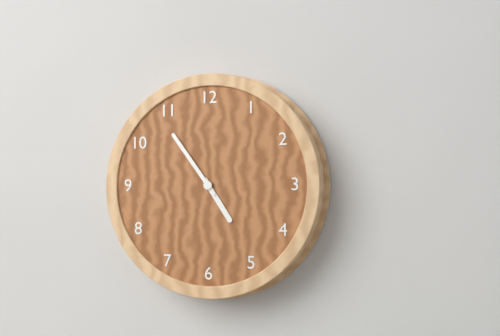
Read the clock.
4:54
